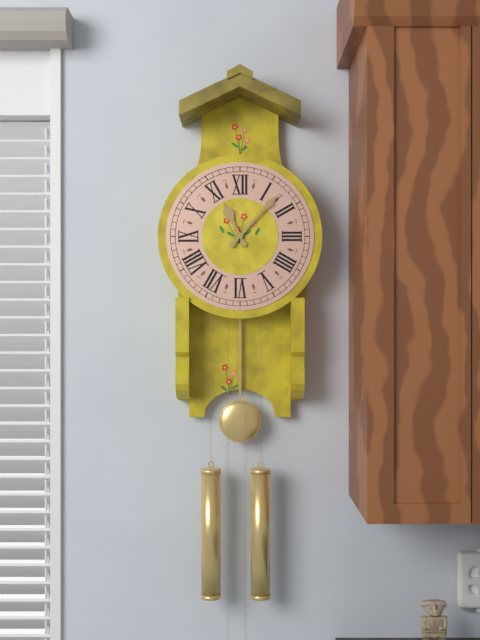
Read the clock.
11:07
